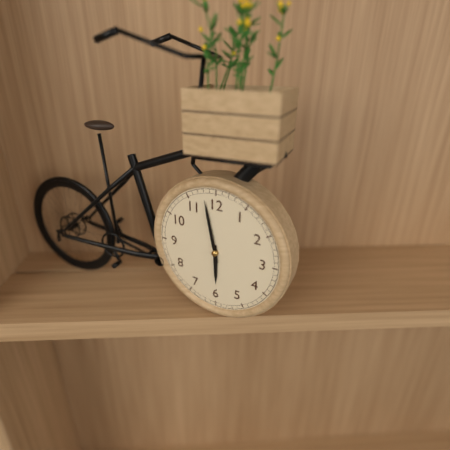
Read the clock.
5:58
